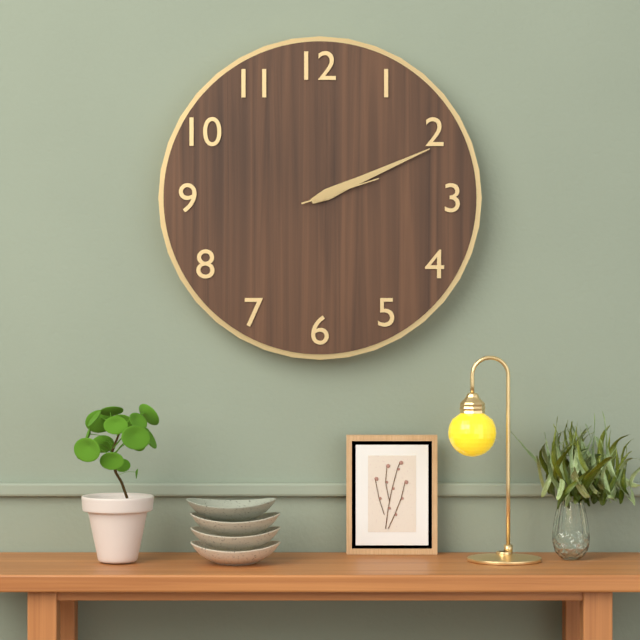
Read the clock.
2:11:12
